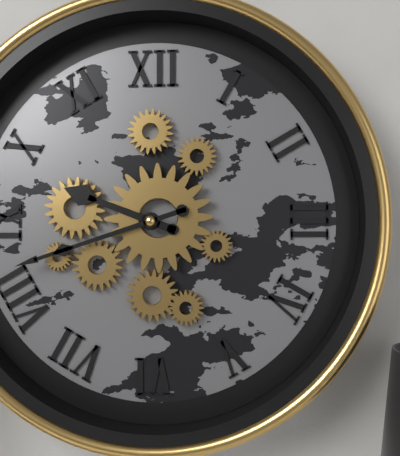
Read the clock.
9:42
